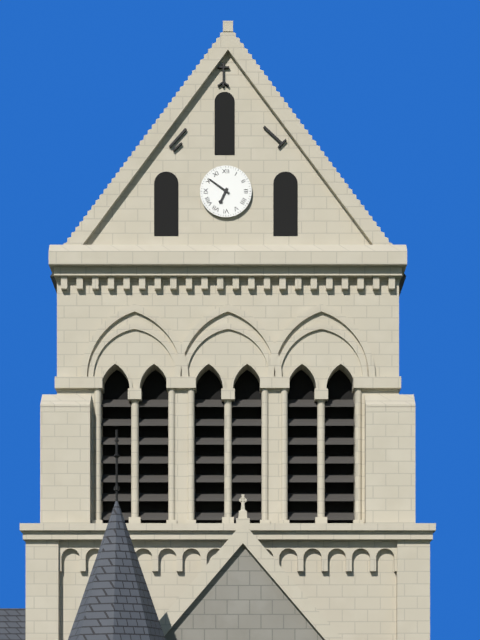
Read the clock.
6:51
